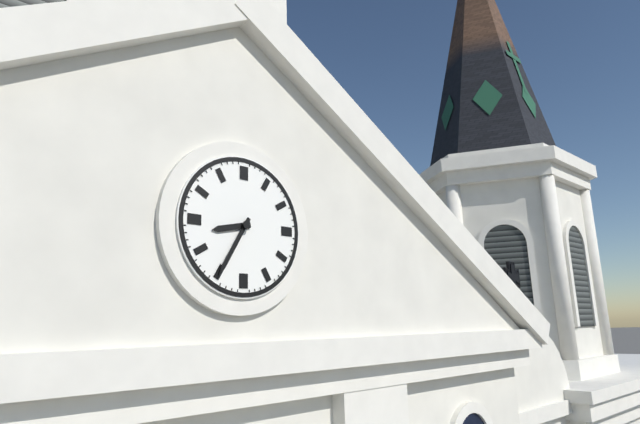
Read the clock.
8:35
